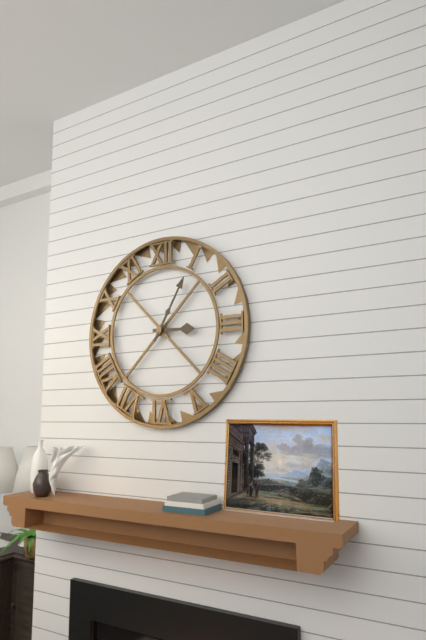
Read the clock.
3:05
